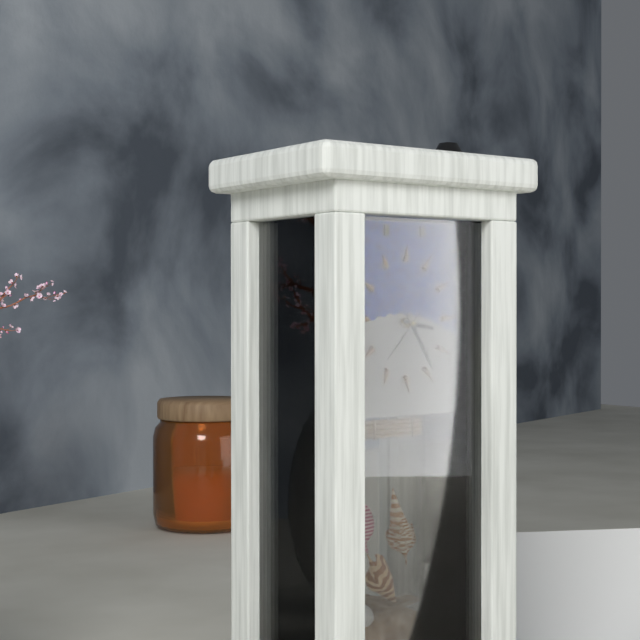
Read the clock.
3:25:37
